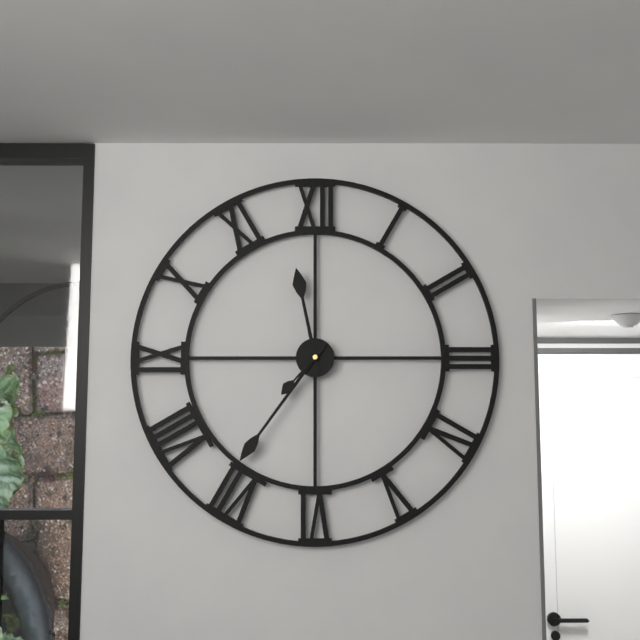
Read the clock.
11:36:37
